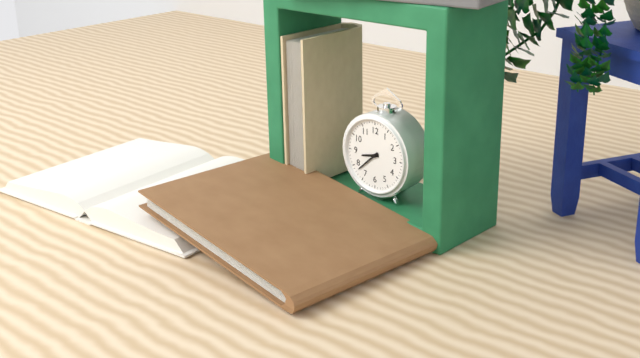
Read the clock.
8:38
